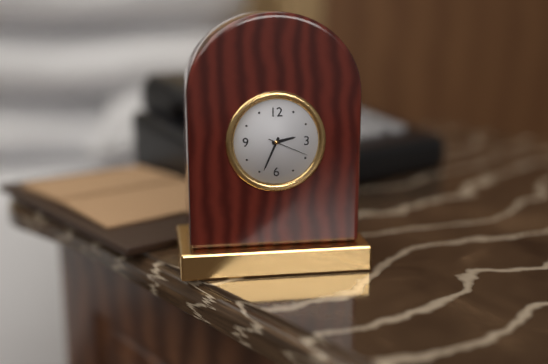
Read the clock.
2:34
